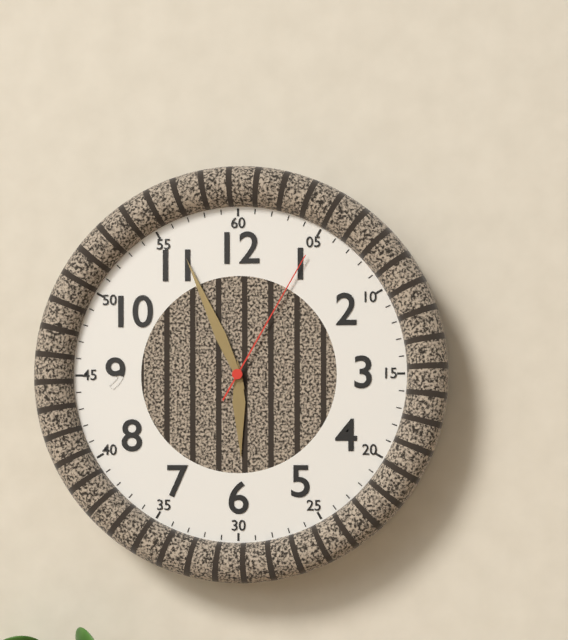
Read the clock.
5:56:05
